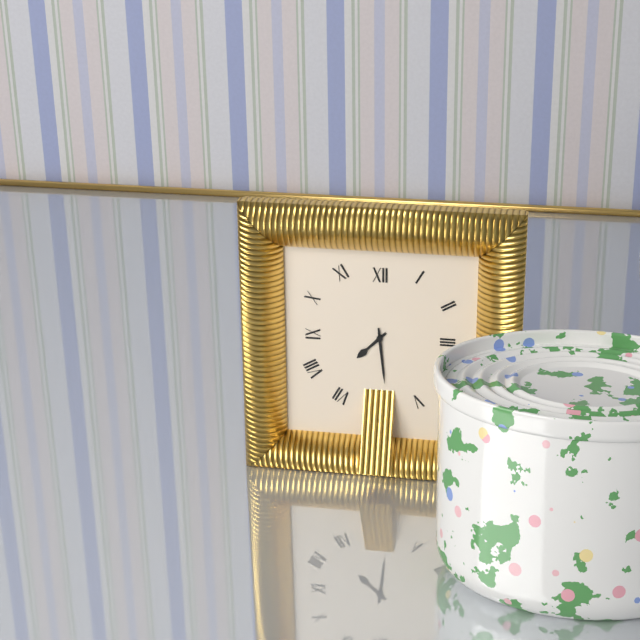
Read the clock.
7:29
